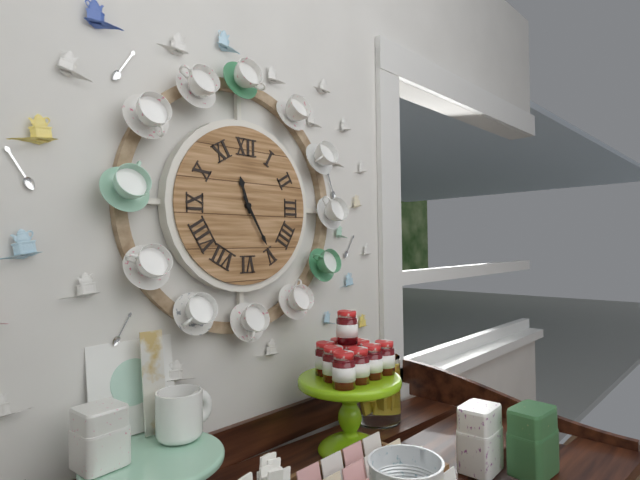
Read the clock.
11:25
